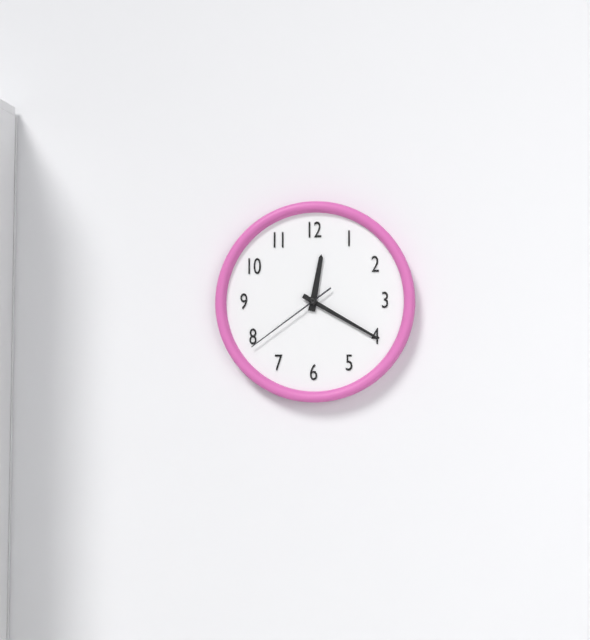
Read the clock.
12:20:39
